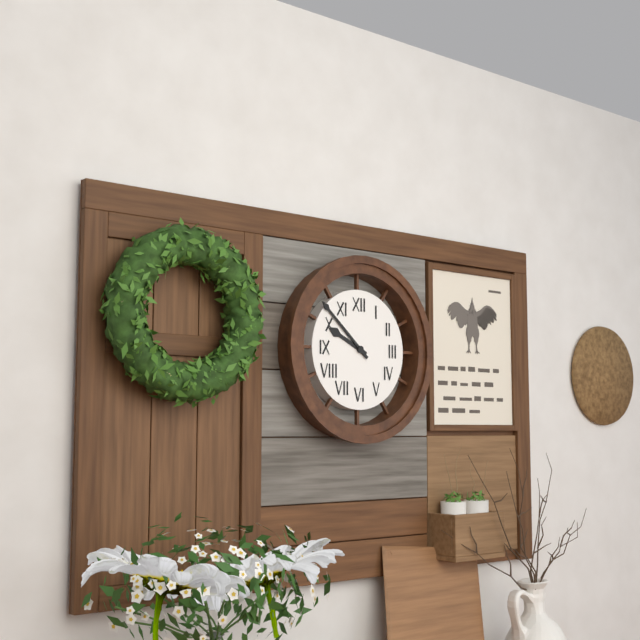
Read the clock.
9:52
